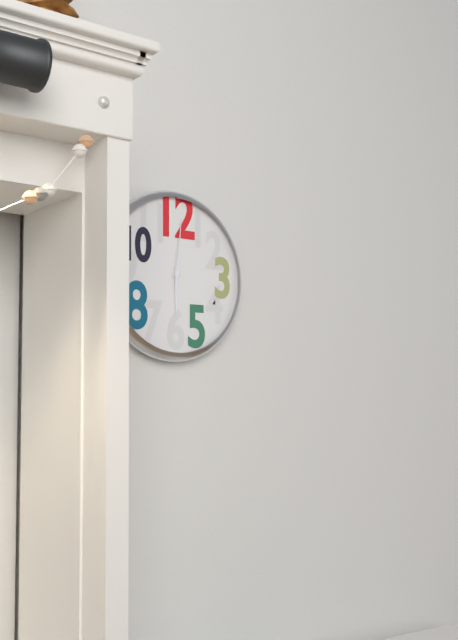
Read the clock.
6:01
